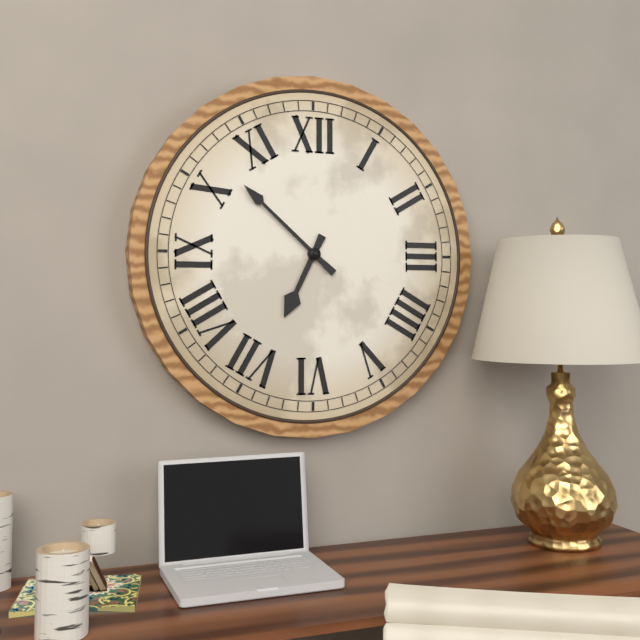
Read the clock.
6:52
